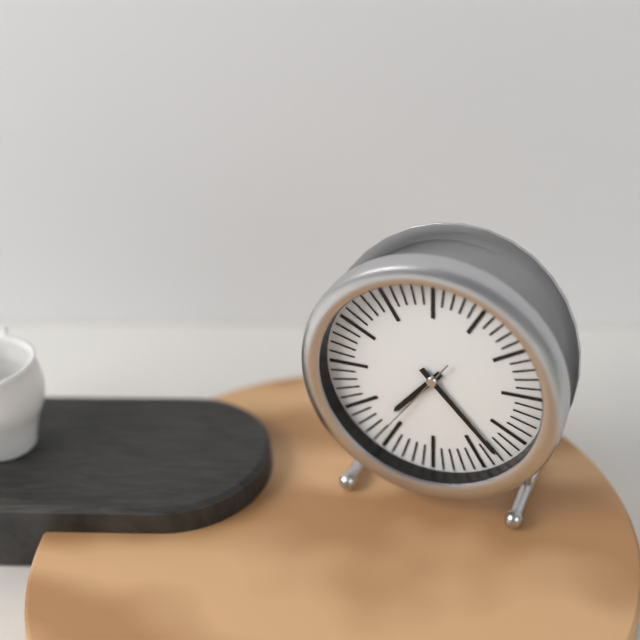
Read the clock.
7:23:36
